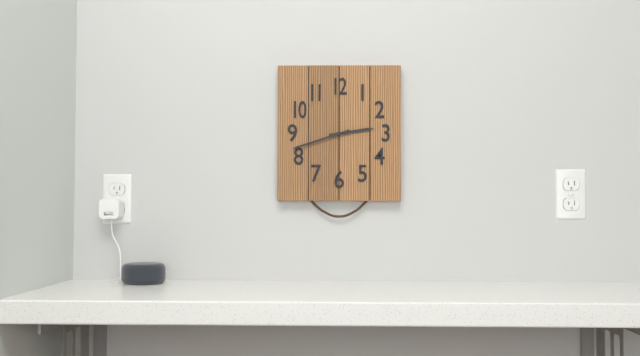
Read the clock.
2:42
